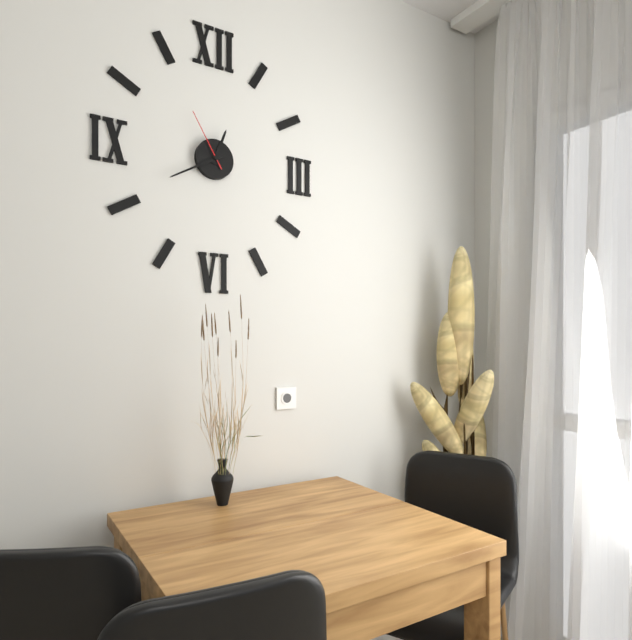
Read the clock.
12:40:55
